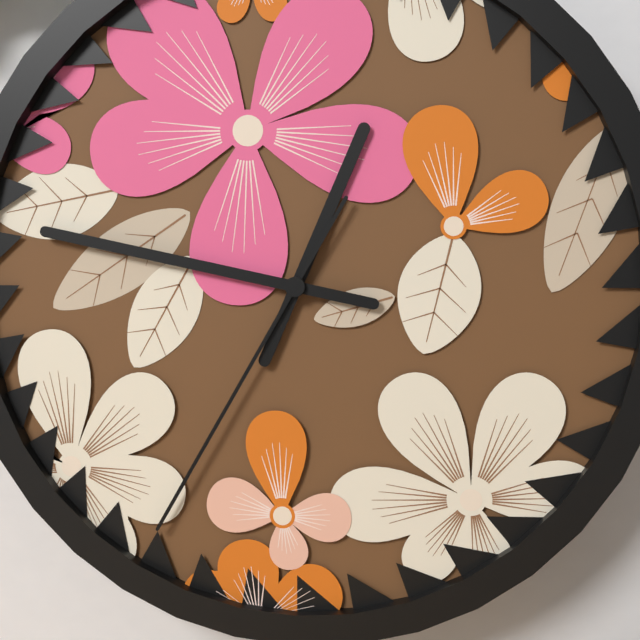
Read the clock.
12:47:35
